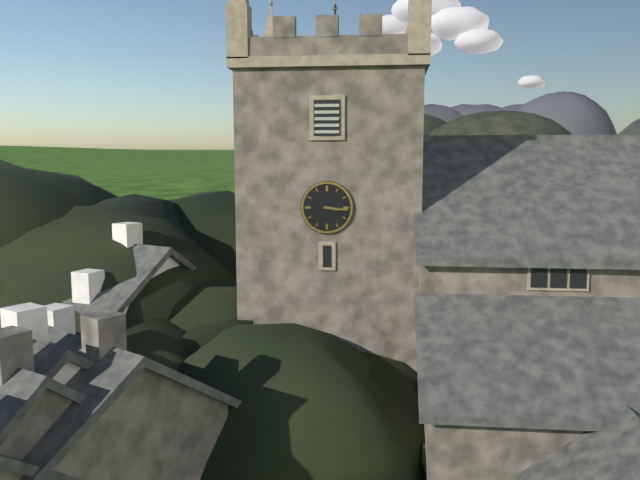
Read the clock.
3:16
